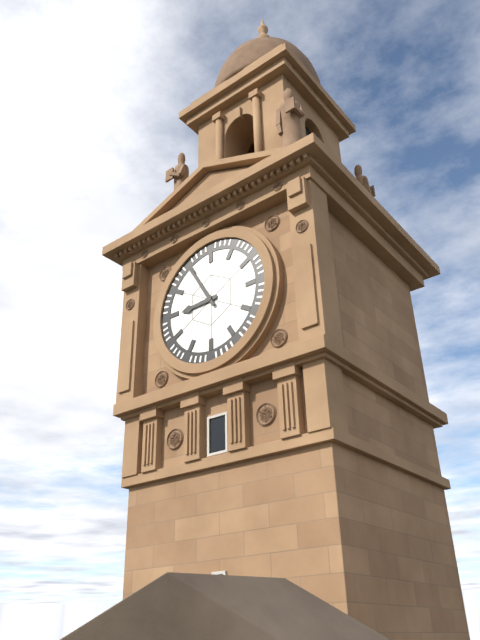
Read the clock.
8:55
